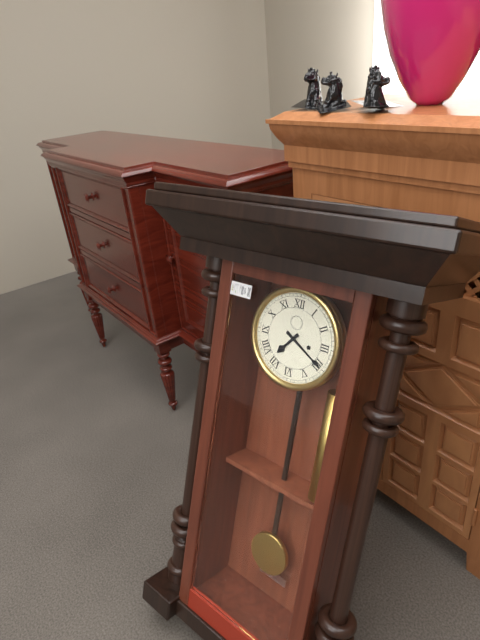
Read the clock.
7:20
